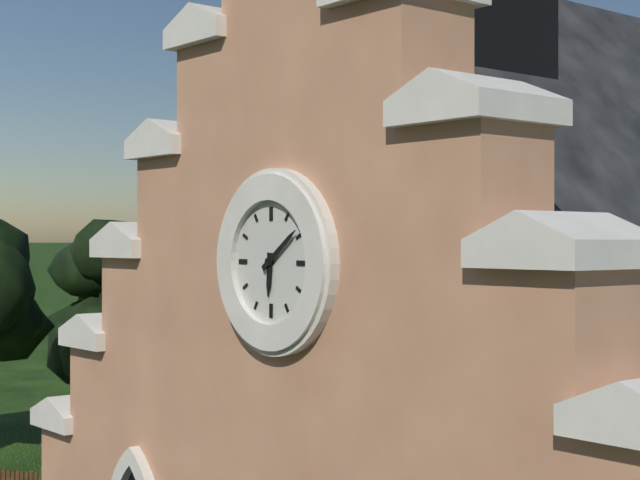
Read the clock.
6:09
